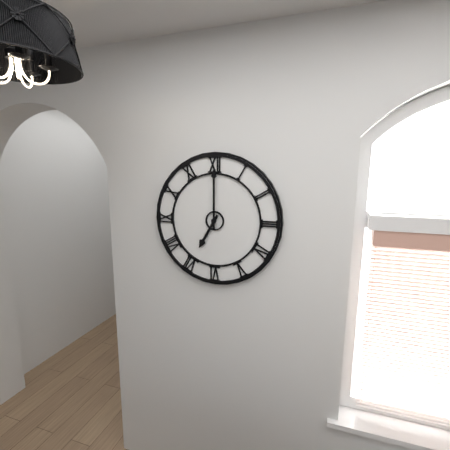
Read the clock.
7:00
